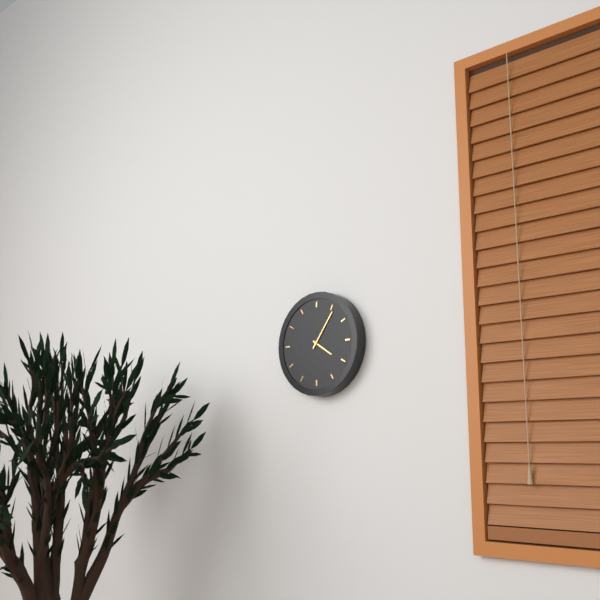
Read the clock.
4:06
